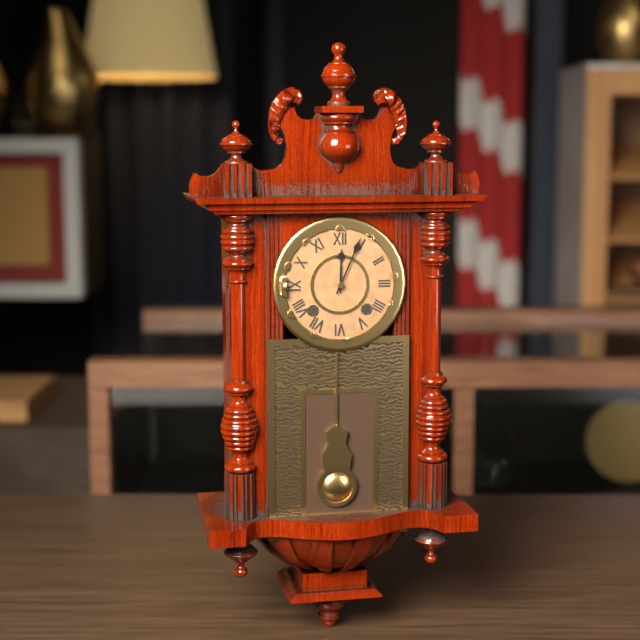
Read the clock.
12:04
